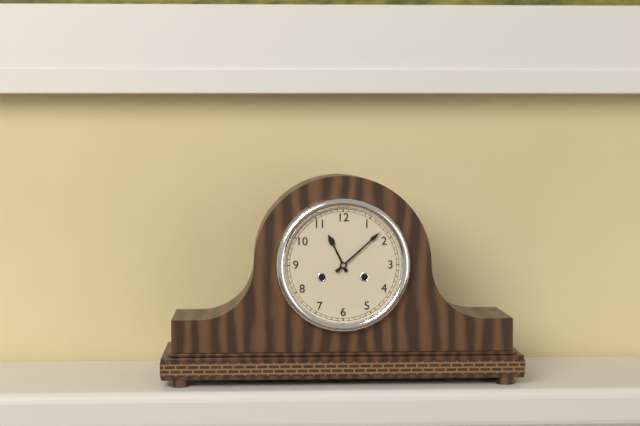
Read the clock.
11:08
